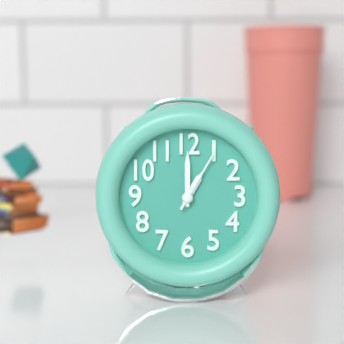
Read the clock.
1:00:05
